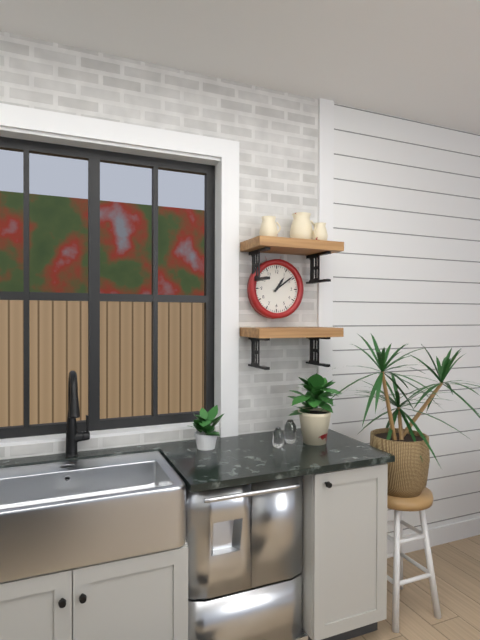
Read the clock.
1:09
